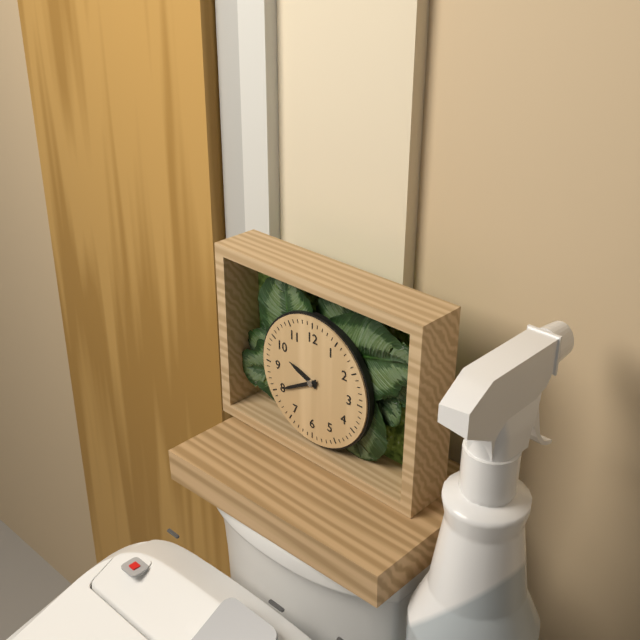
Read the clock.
9:40
